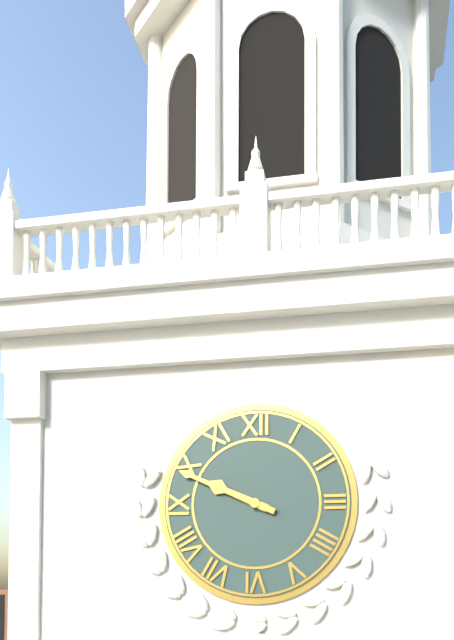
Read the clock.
9:49
